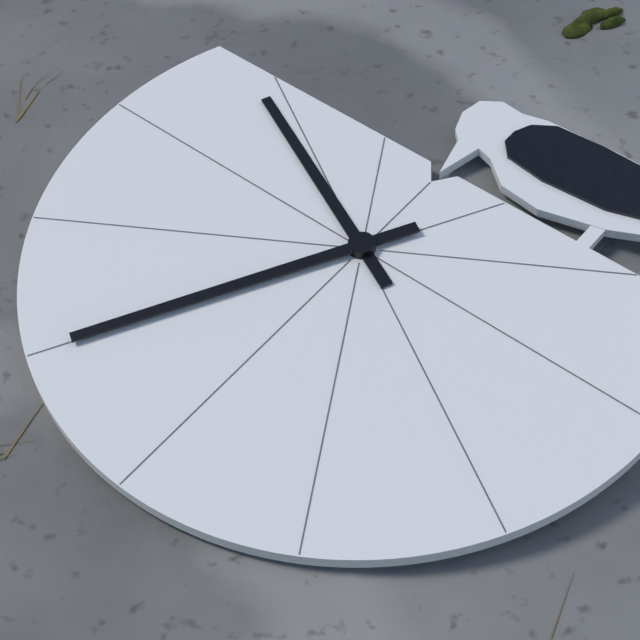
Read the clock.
12:50
